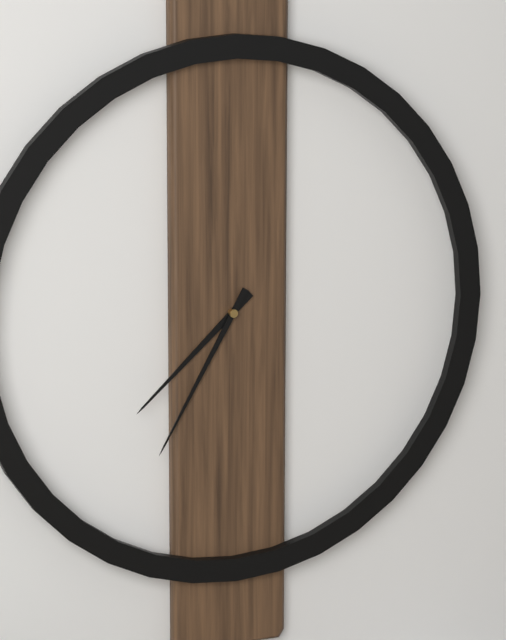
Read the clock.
7:35
